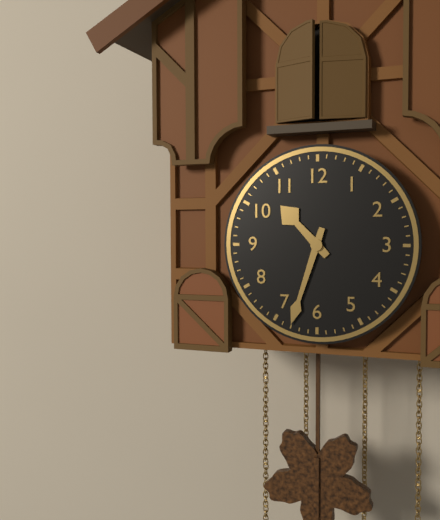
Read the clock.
10:33
